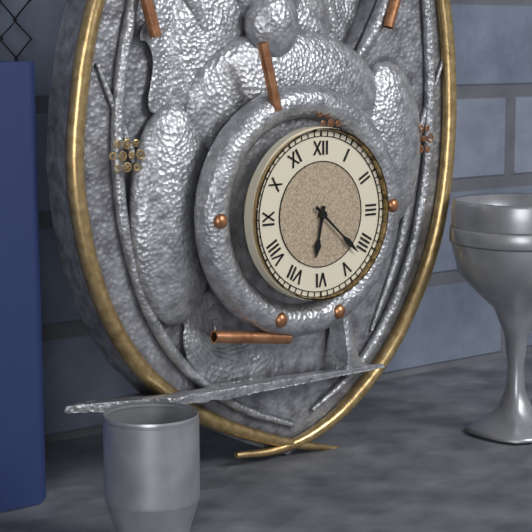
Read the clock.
6:22
